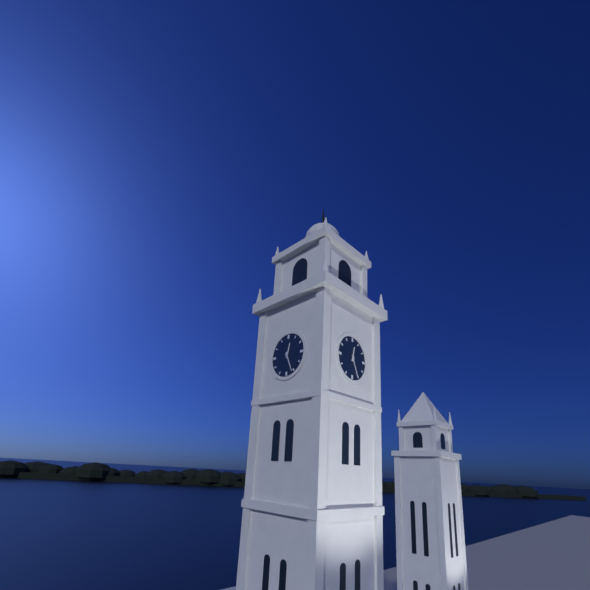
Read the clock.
12:26
